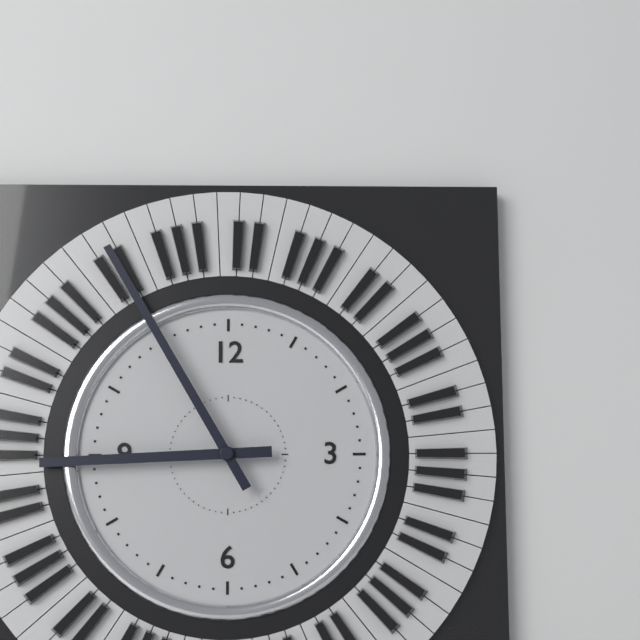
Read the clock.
8:55
